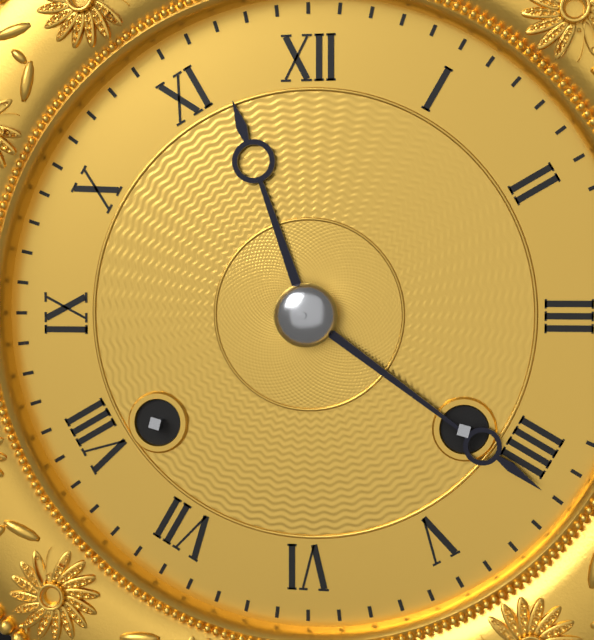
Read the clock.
11:21
